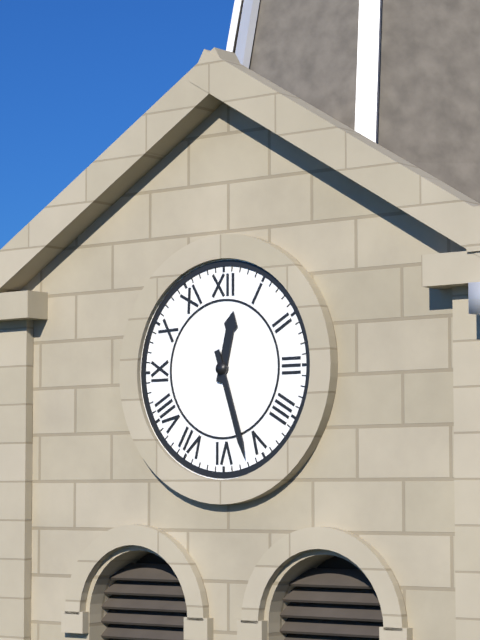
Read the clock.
12:27
